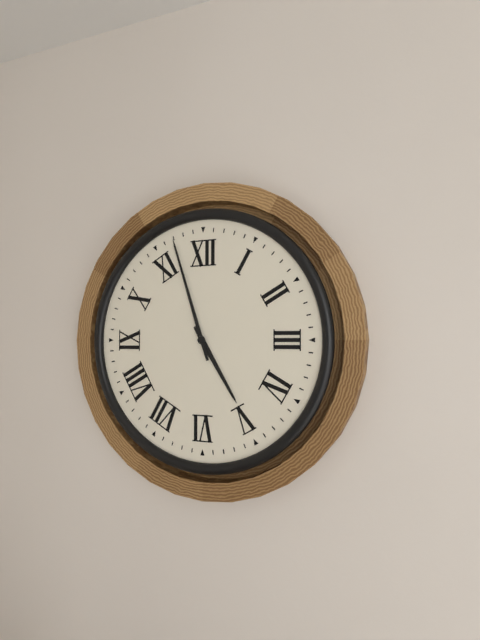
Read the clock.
4:57
